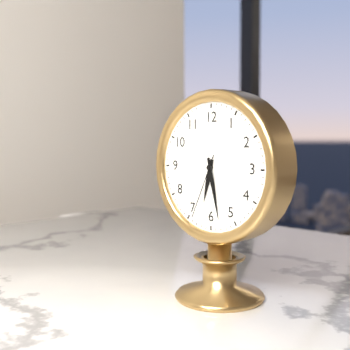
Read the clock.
6:28:34
